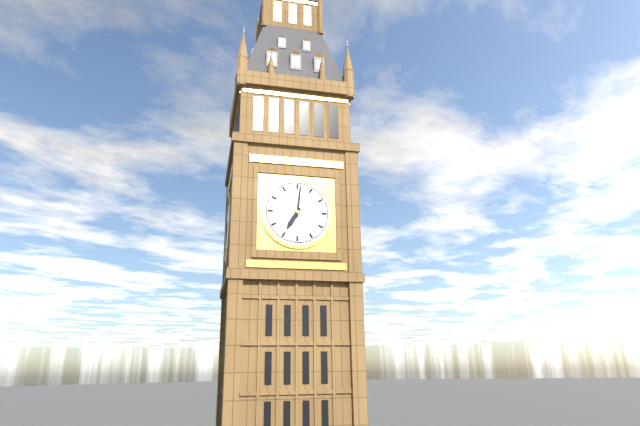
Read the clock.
7:01
